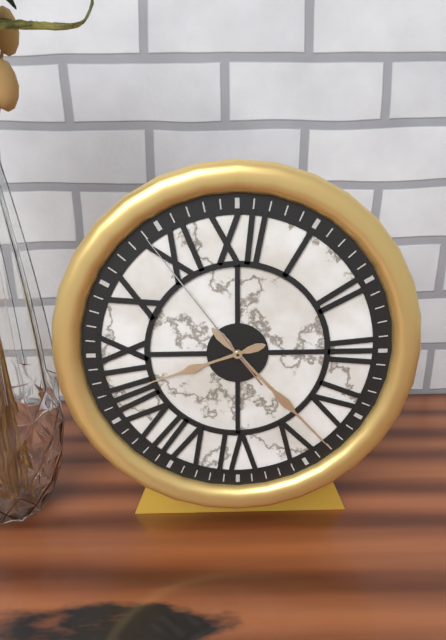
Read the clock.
8:23:54
